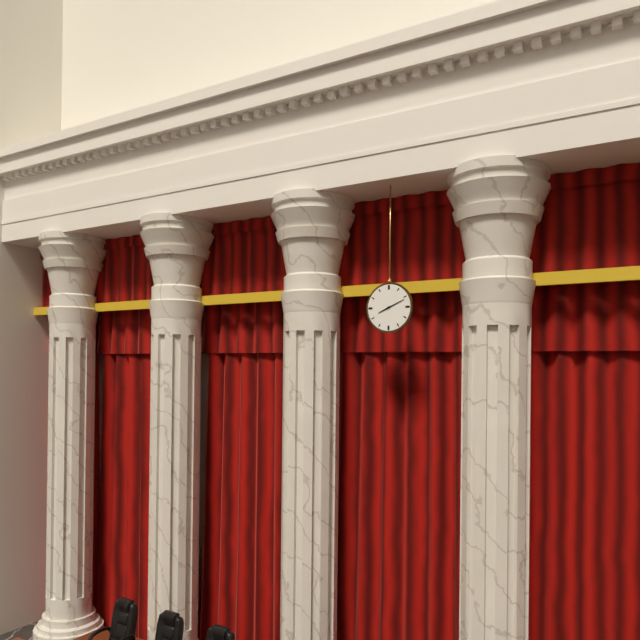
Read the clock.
8:11
